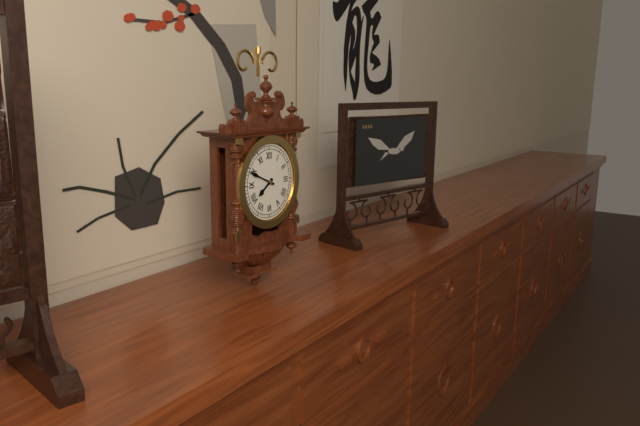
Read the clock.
7:49
